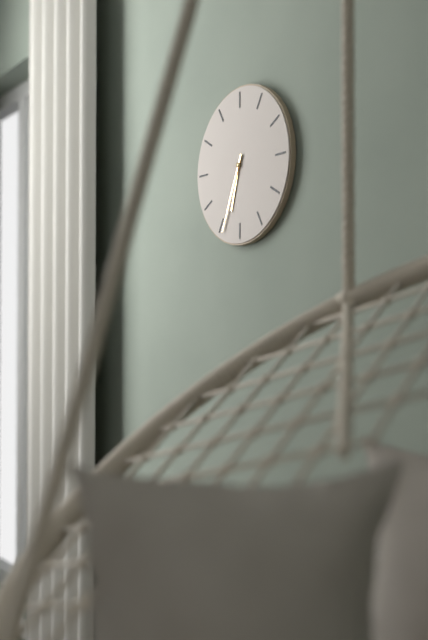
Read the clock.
6:34
